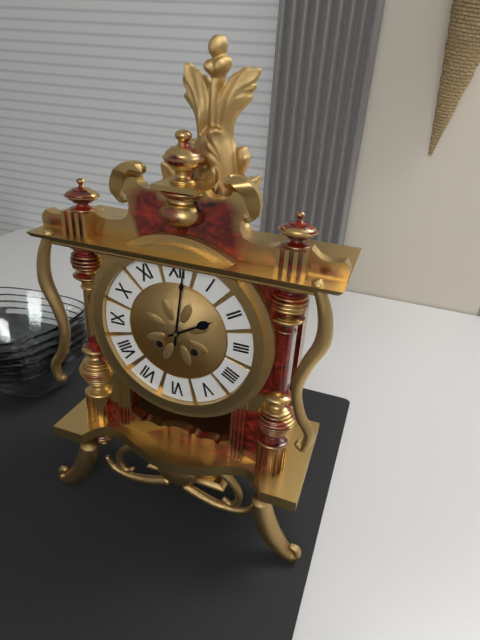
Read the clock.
2:01
